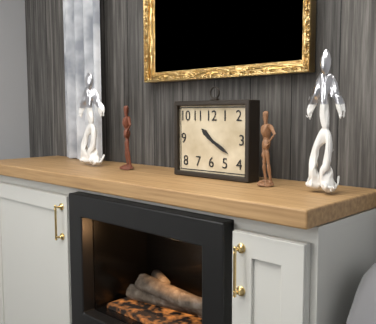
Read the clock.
10:20
